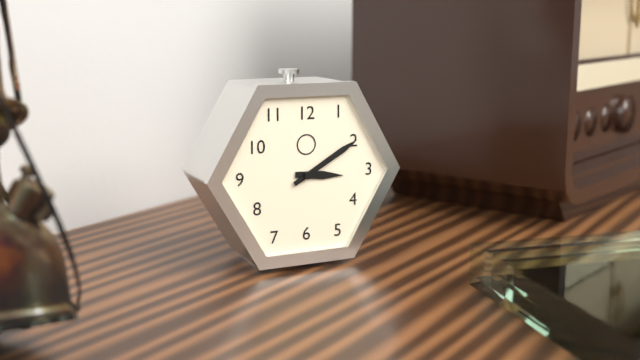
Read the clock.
3:10
